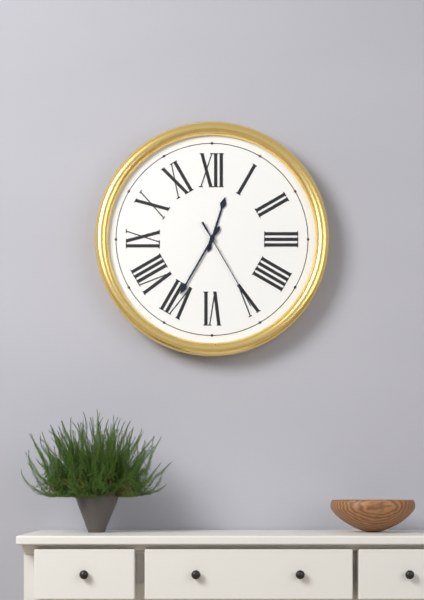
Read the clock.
12:35:25
